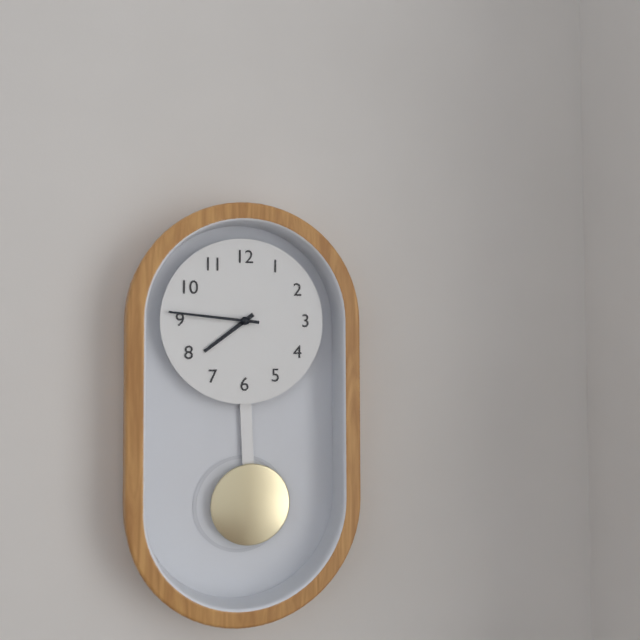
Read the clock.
7:46
